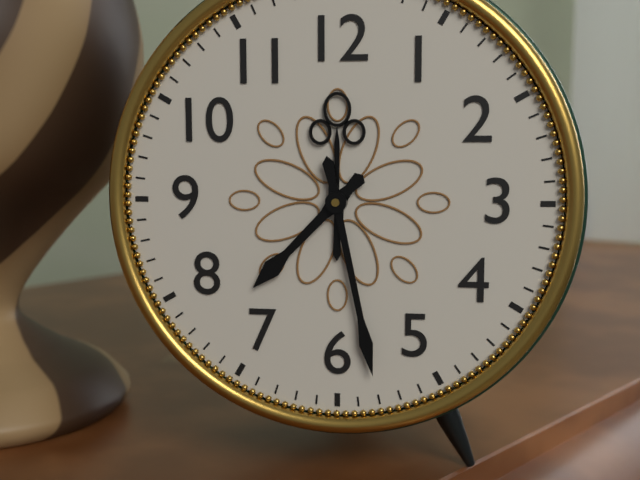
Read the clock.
7:28
